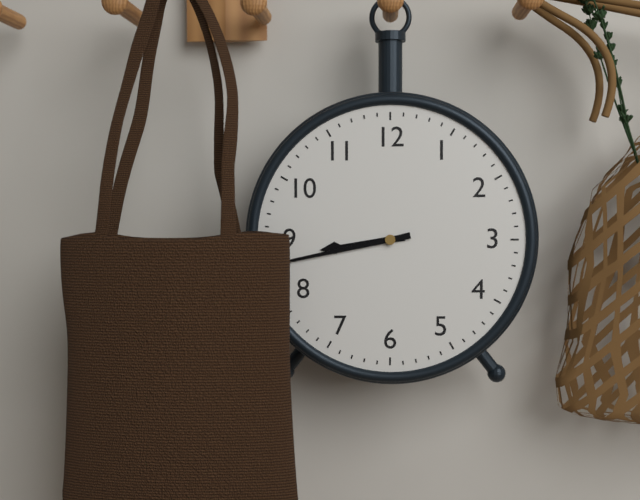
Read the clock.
8:43
